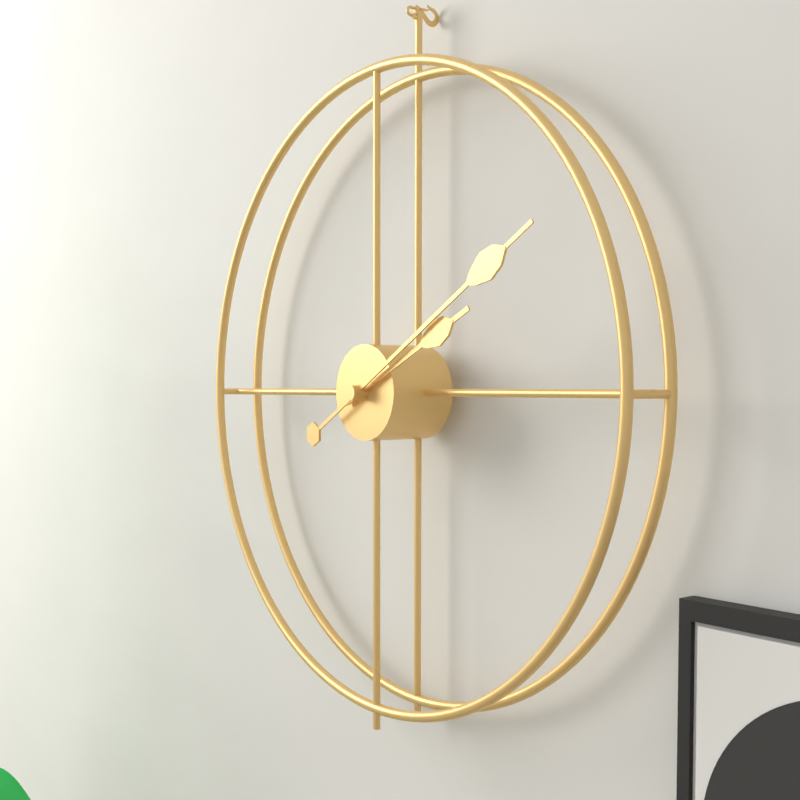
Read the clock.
2:10
